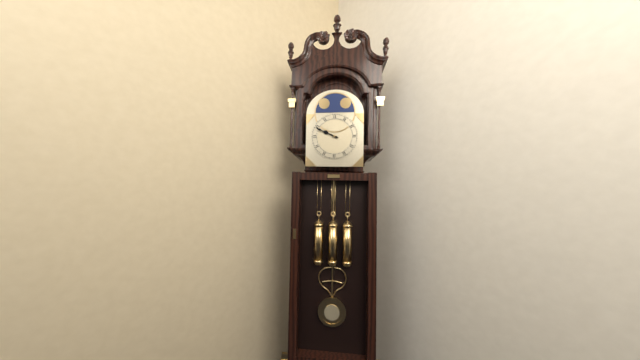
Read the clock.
9:49
